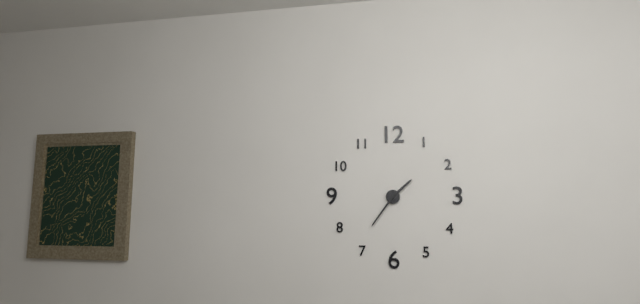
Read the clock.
1:36
